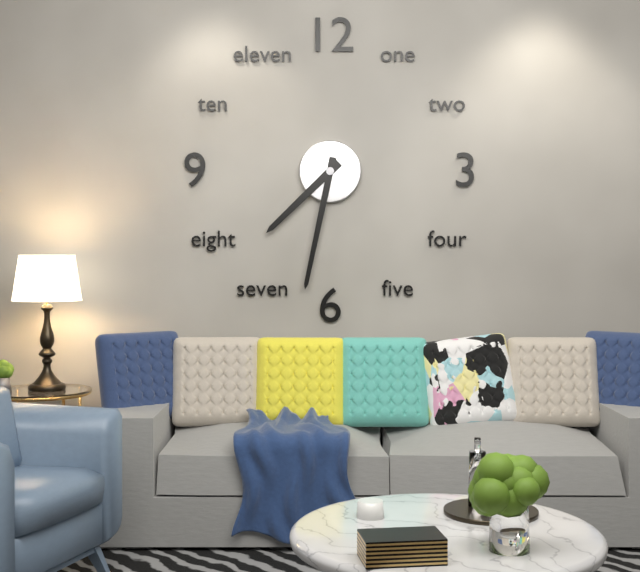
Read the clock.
7:32
